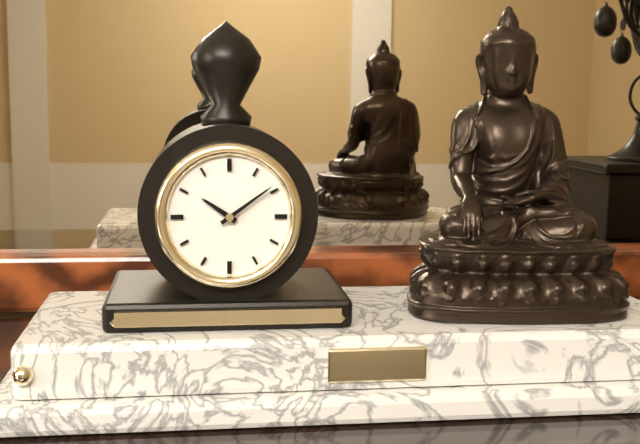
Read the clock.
10:09
